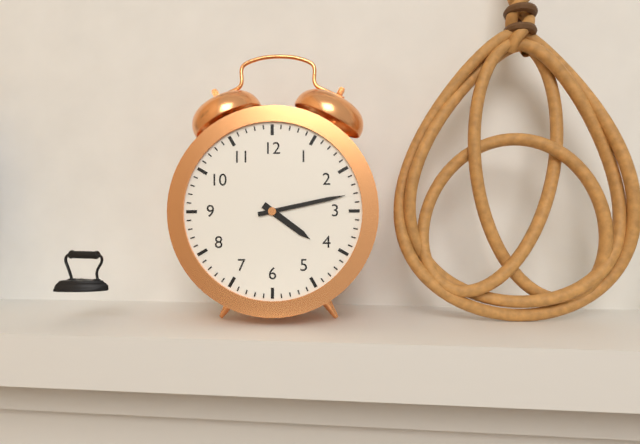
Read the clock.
4:13
